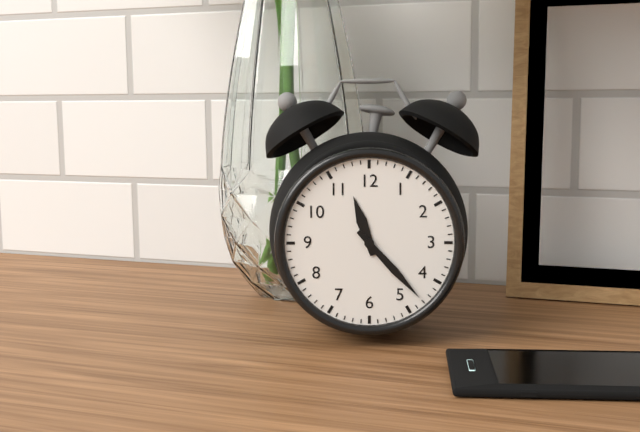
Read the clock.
11:23
